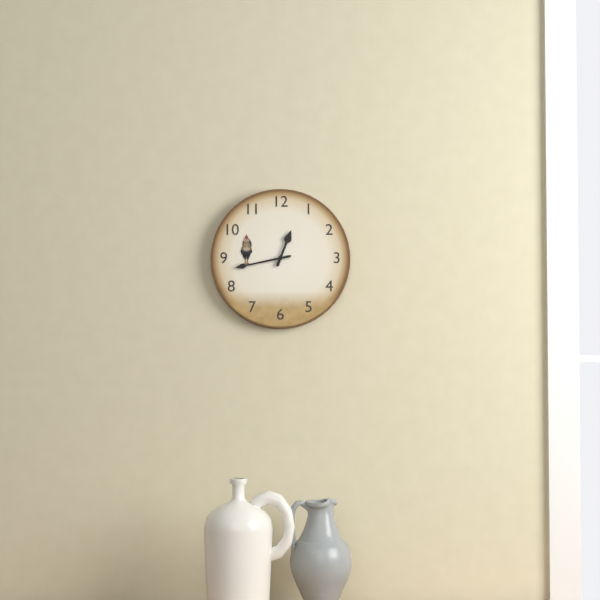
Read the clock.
12:43
